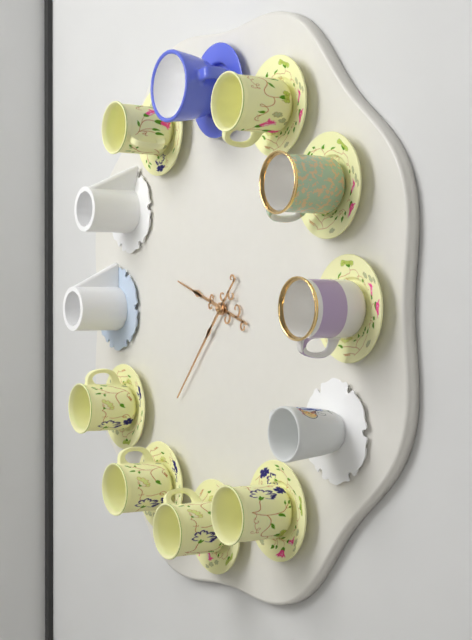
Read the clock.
9:37
